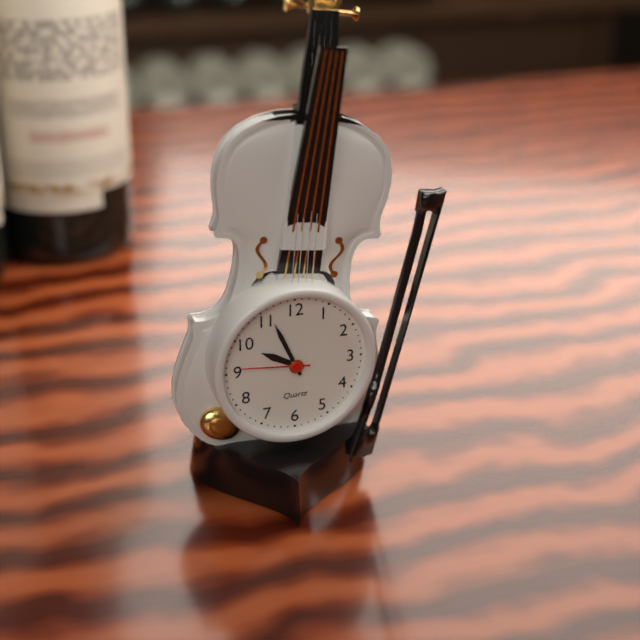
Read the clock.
9:56:46
